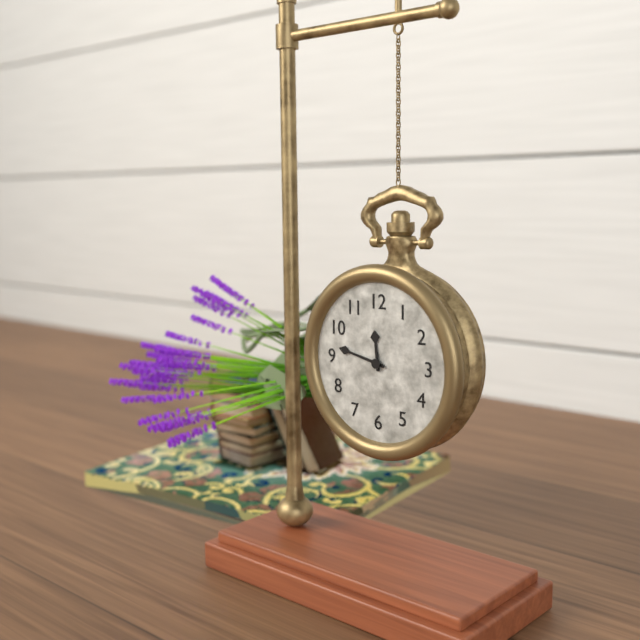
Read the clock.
11:47
